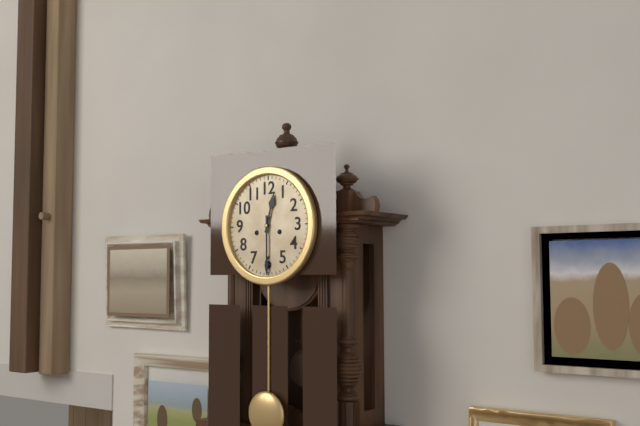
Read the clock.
12:30
